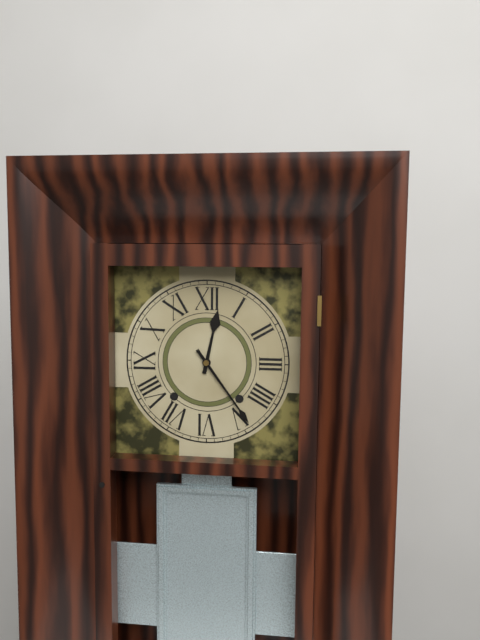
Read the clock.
12:24
